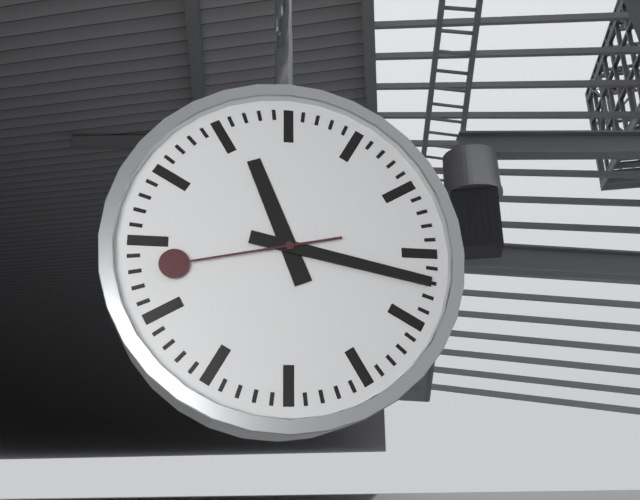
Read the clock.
11:17:43
